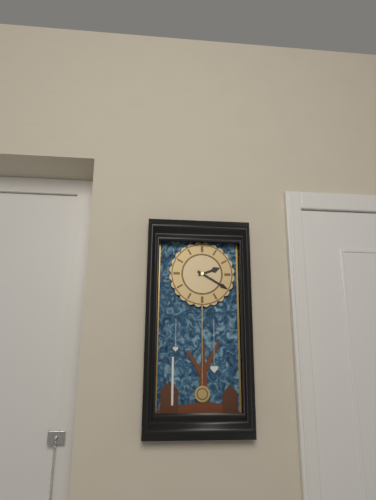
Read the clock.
2:20
